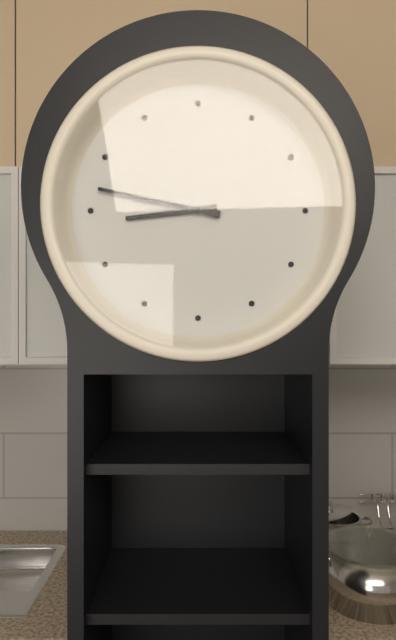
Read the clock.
8:47
